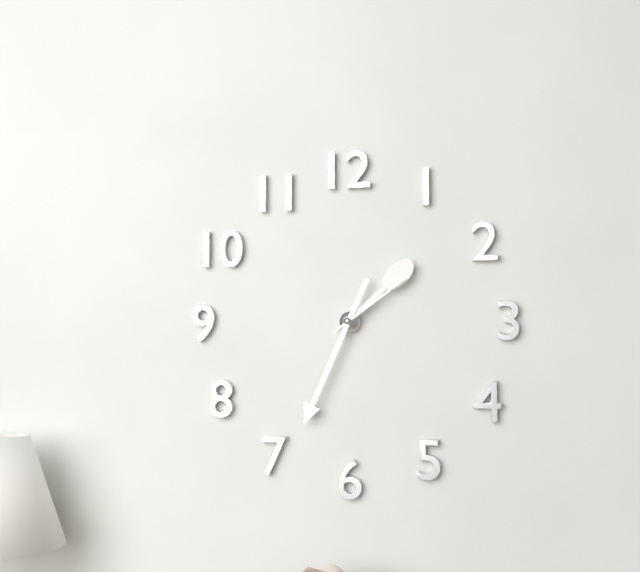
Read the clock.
1:34:09
